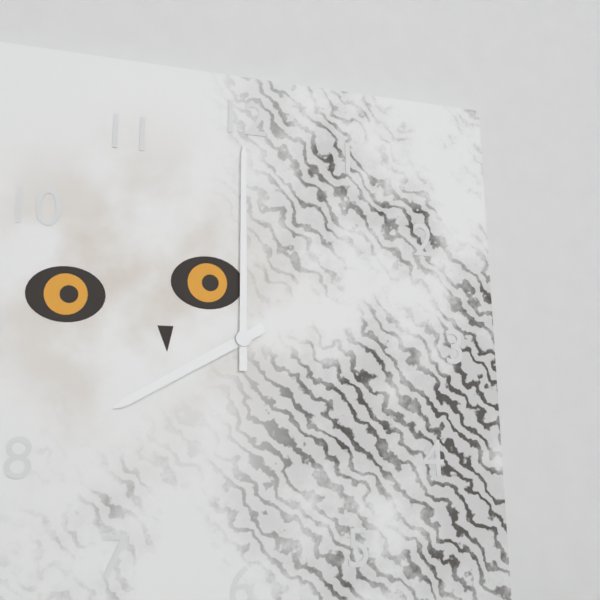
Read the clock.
8:00
